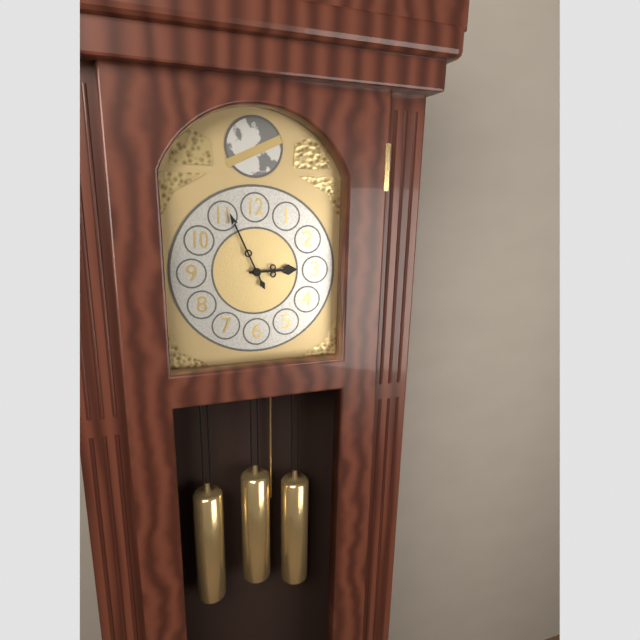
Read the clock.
2:56
